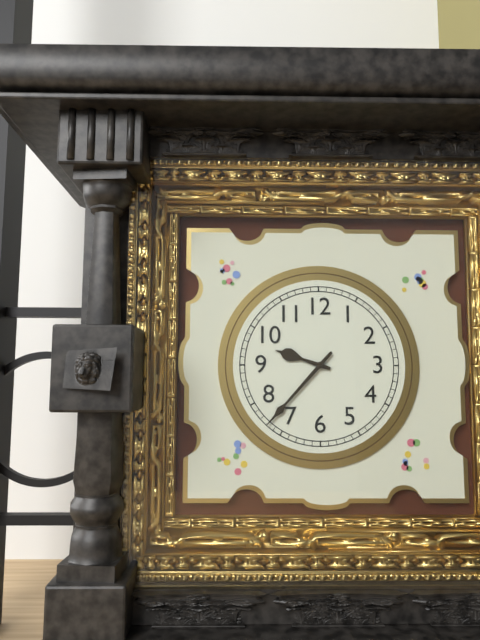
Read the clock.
9:37
